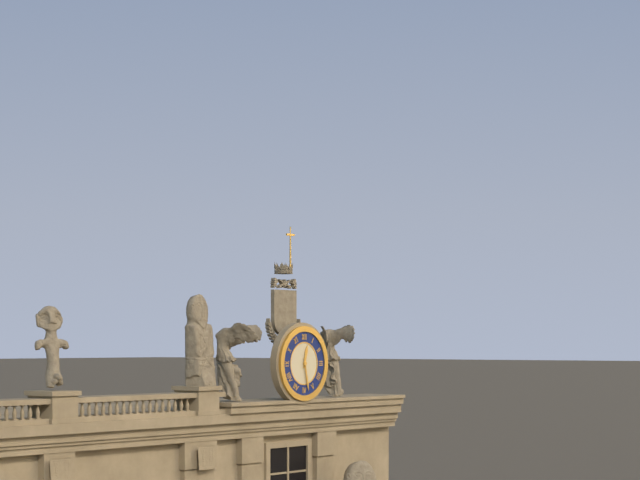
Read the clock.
12:28
